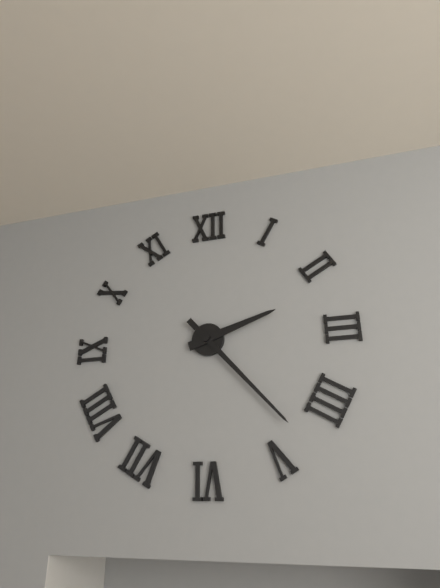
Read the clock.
2:23
